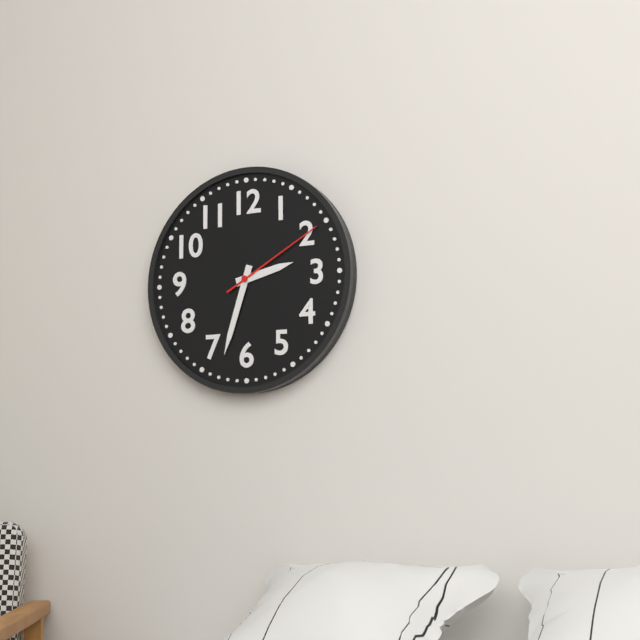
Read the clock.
2:33:10
